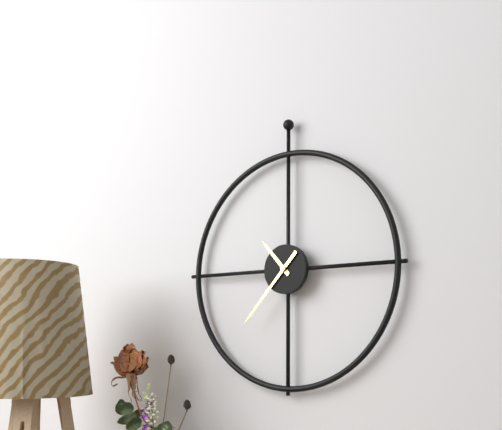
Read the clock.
10:37
